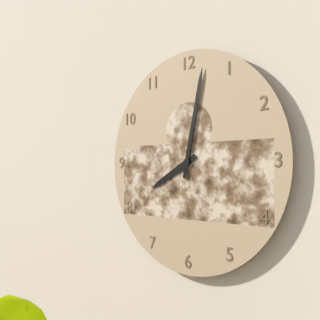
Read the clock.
8:02
